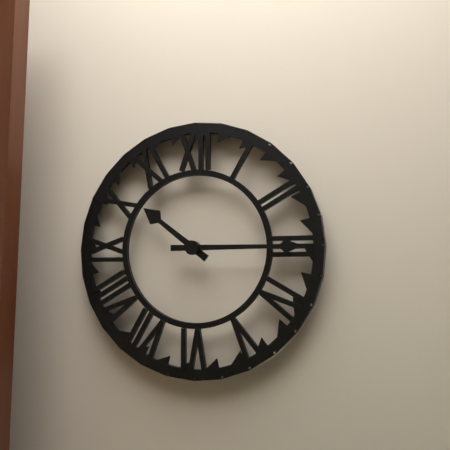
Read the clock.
10:15
